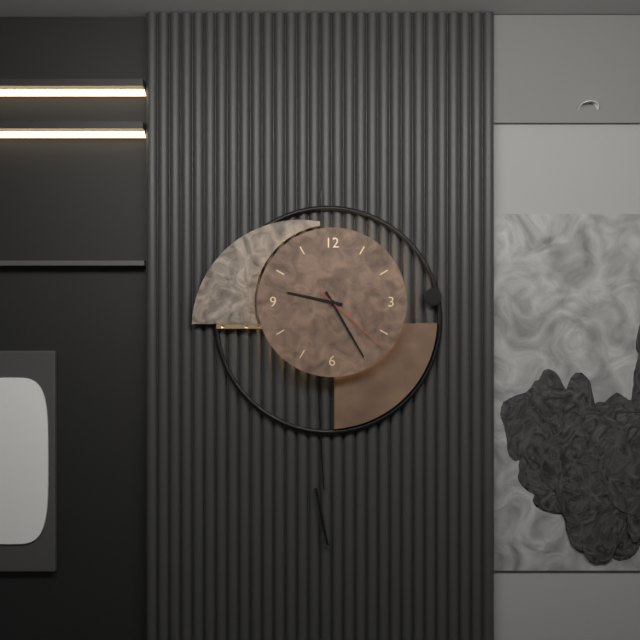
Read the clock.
9:25:22
